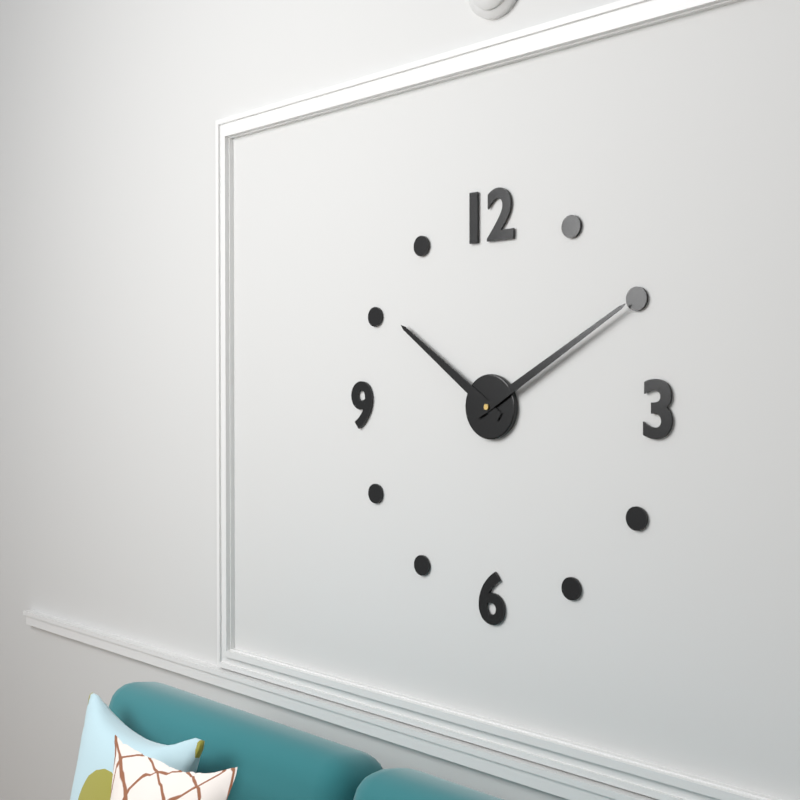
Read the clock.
10:10
